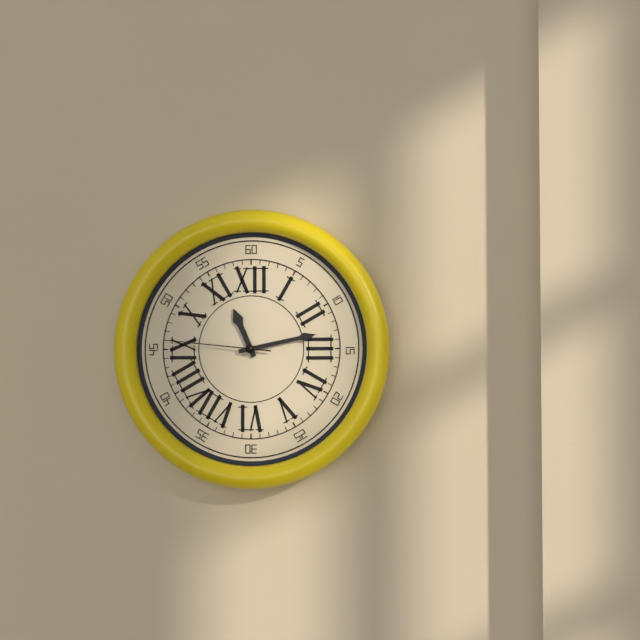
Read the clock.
11:13:46
